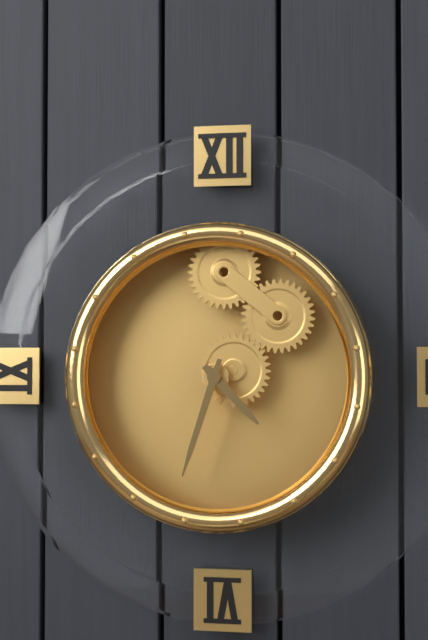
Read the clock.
4:33
